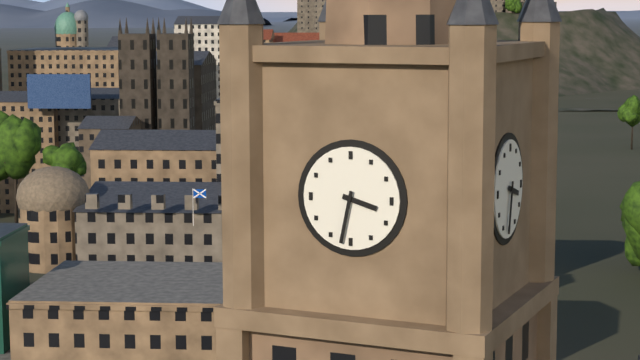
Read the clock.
3:32
